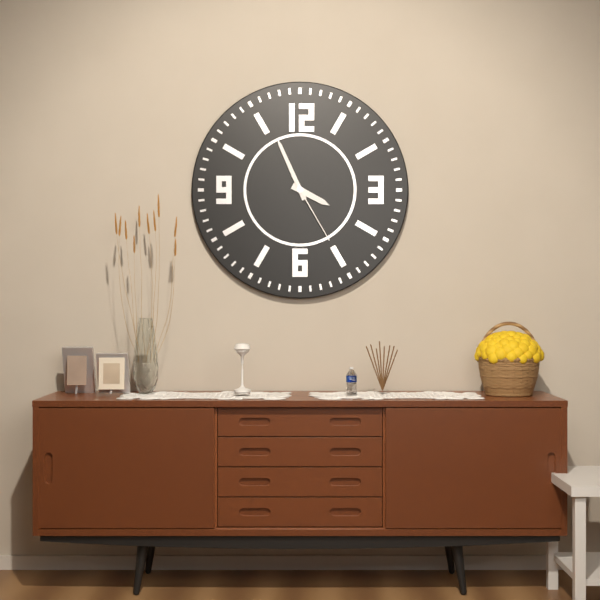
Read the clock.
3:56:25
